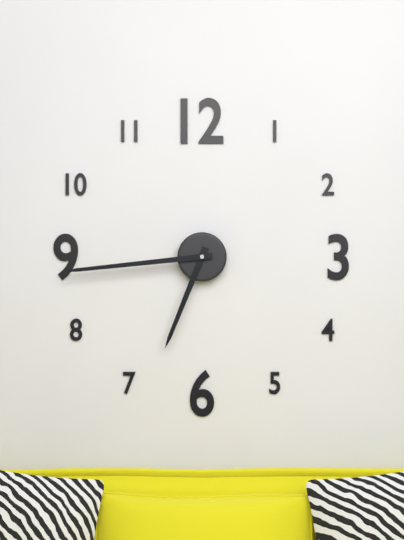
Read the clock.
6:44
